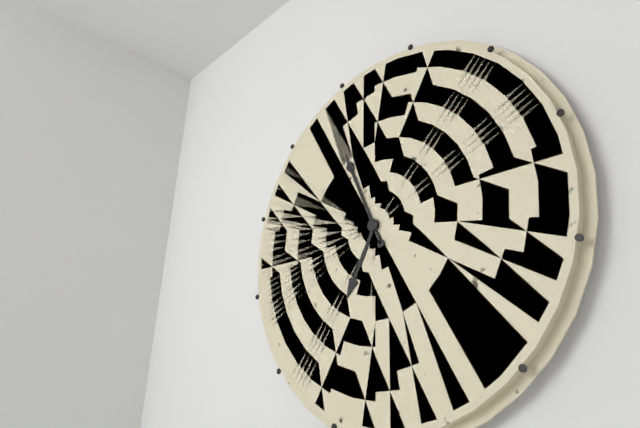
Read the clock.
6:56
